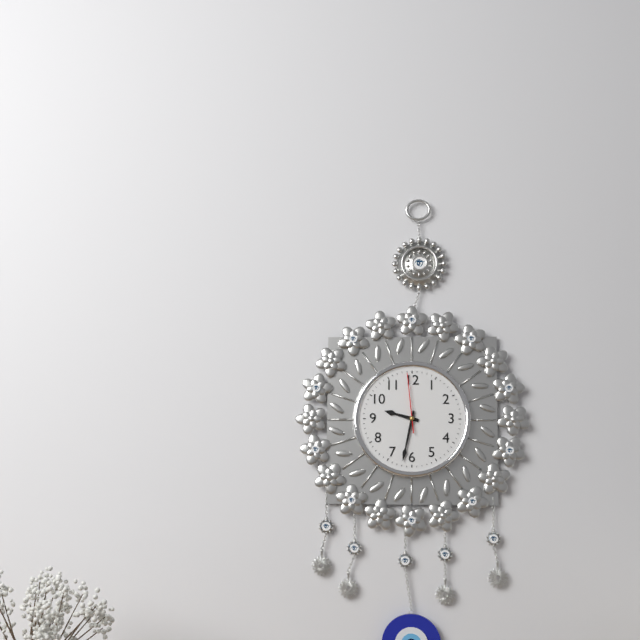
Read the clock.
9:32:59
